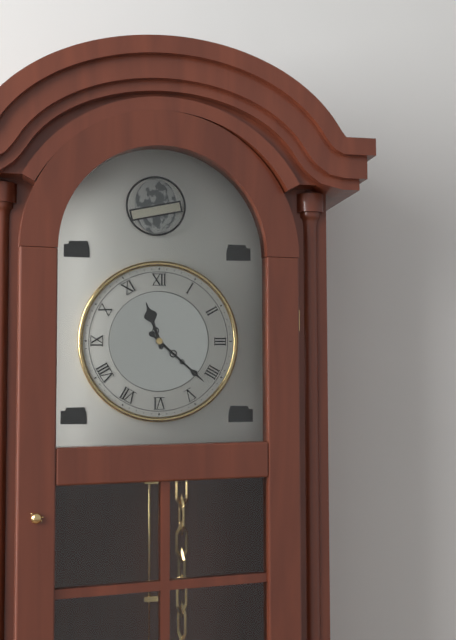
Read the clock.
11:22
